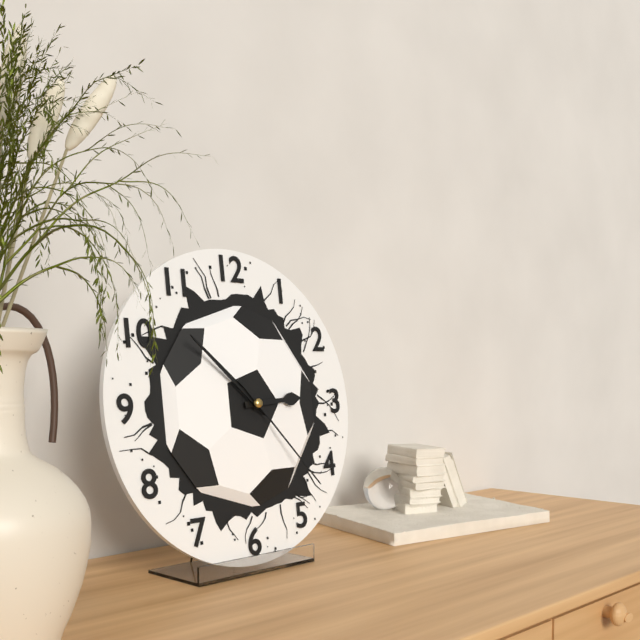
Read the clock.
2:52:23
